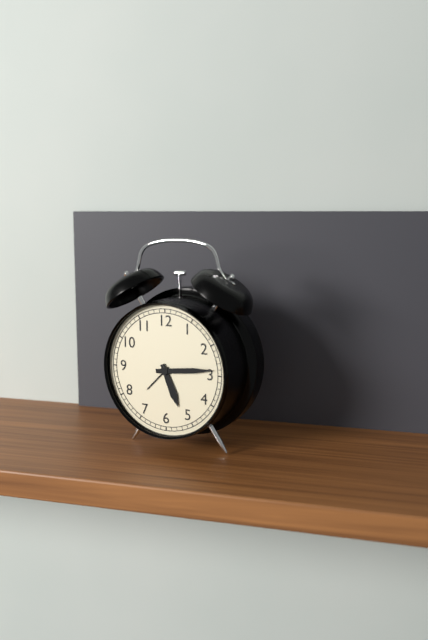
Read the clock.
5:14
